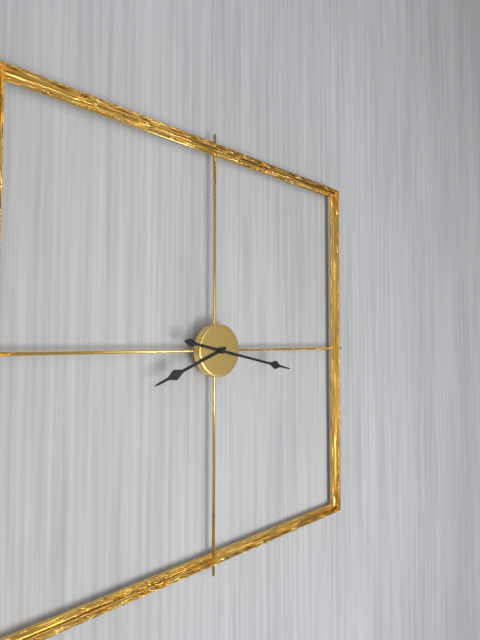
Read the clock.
8:17
